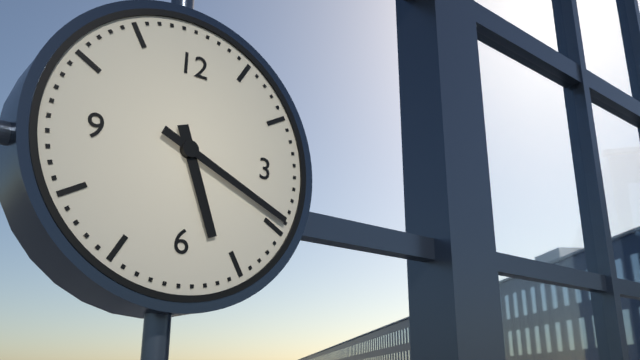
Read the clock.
5:19
